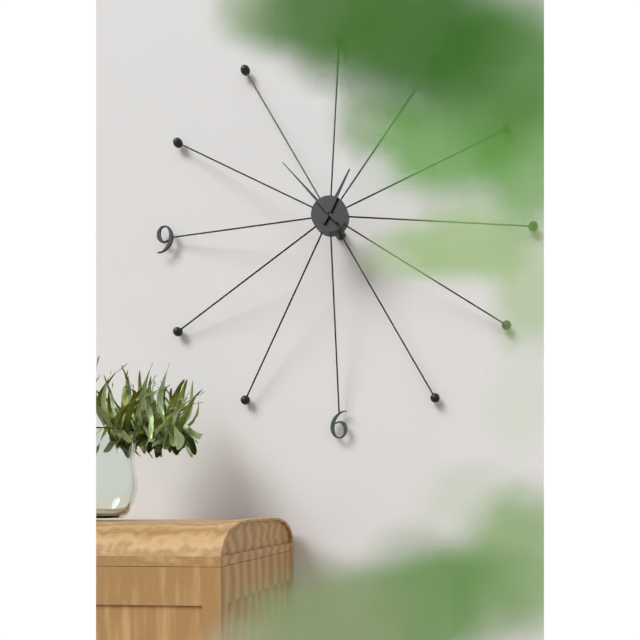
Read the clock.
12:53
